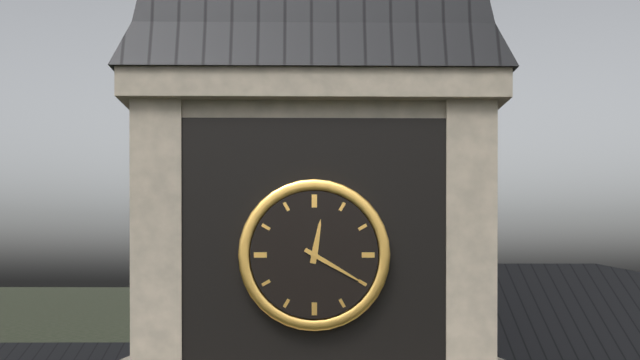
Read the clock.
12:20
